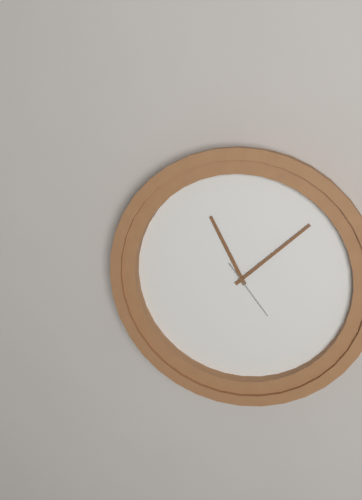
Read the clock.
11:08:24
